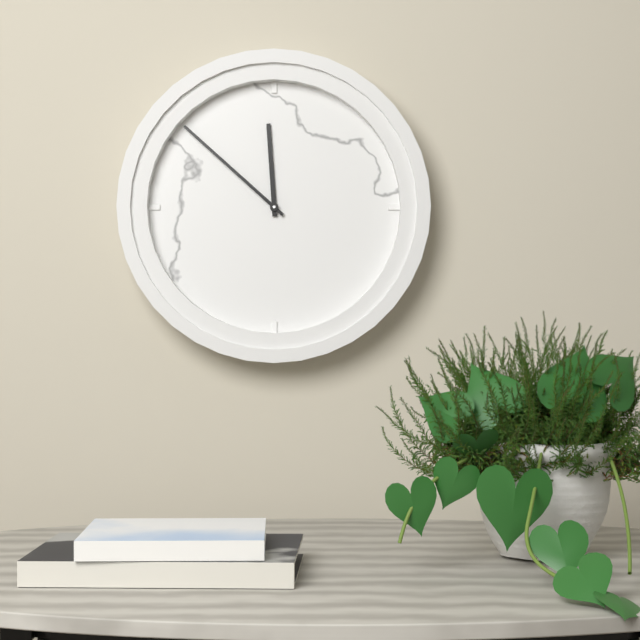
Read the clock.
11:52
